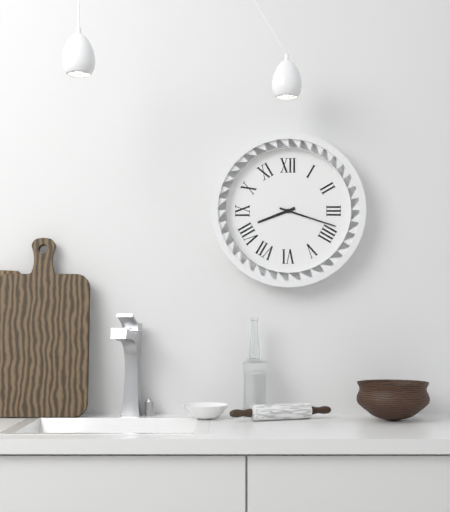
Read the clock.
8:18
